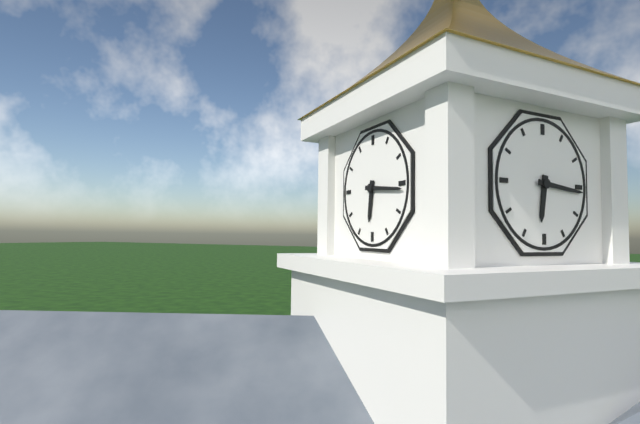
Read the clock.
6:16
